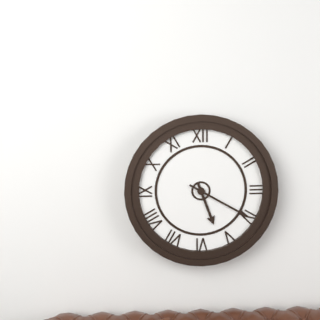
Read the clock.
5:20
